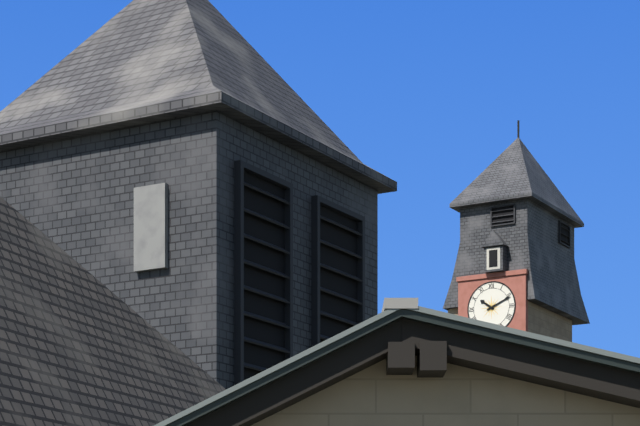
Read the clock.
10:11
